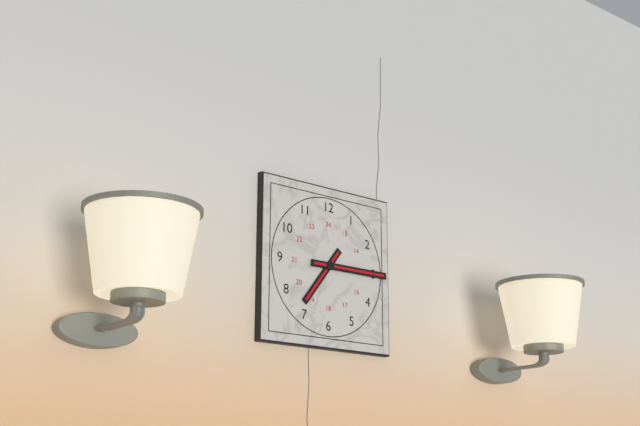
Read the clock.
7:15
